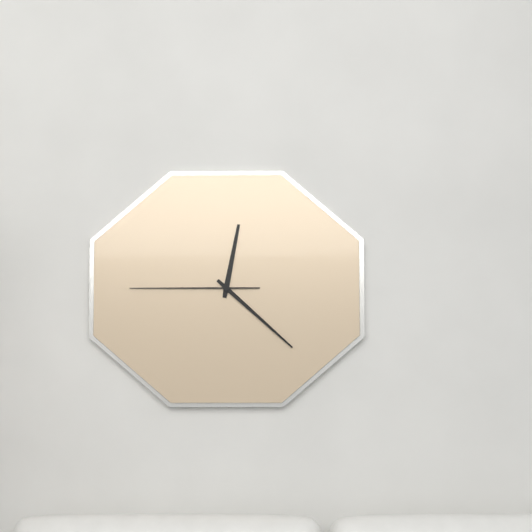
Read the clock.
12:22:45
